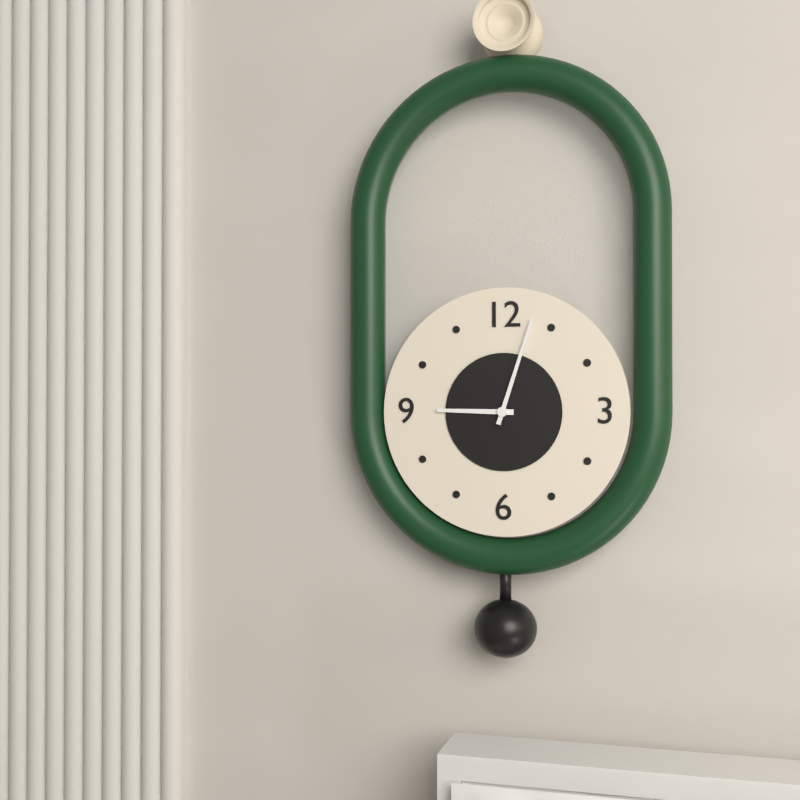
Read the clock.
9:03
